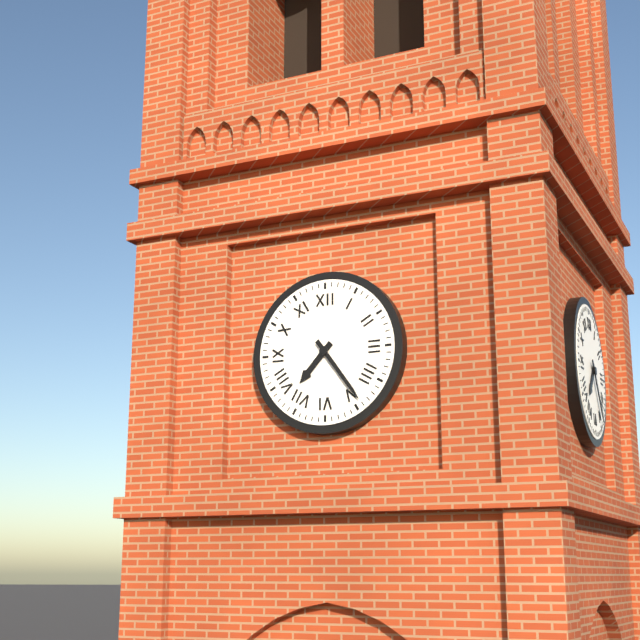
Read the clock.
7:24
